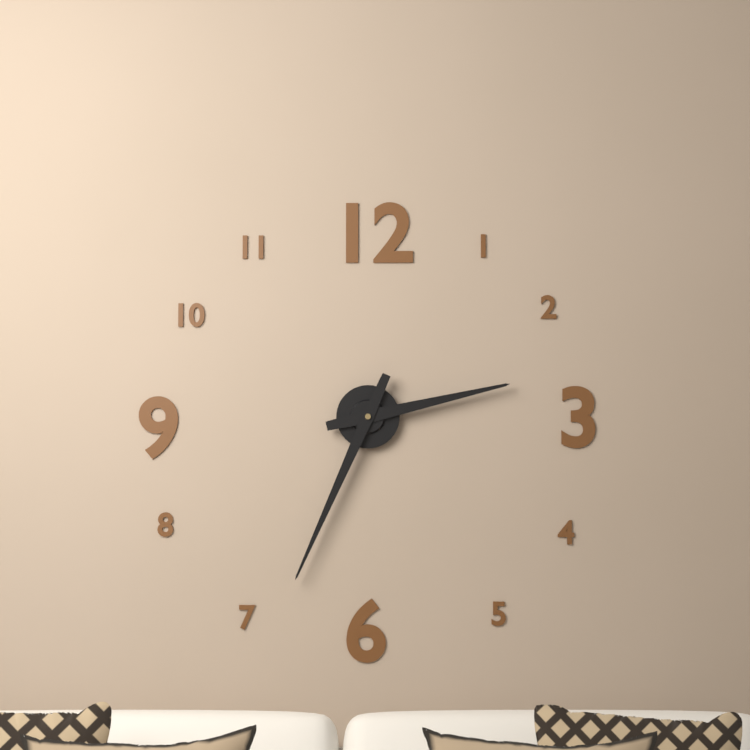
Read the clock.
2:34
